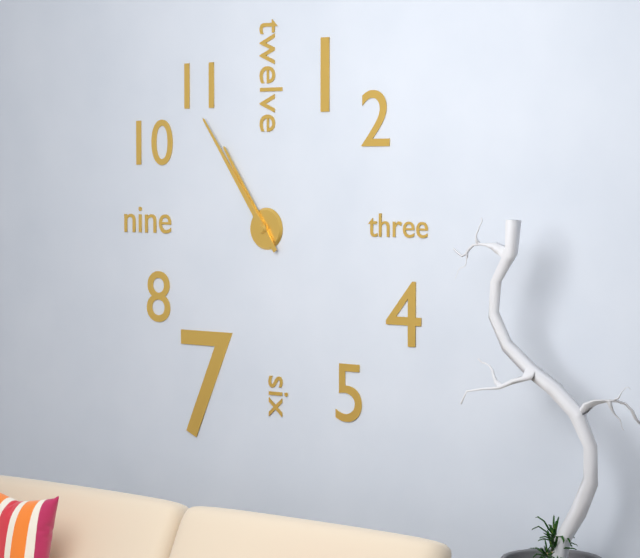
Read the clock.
10:54
